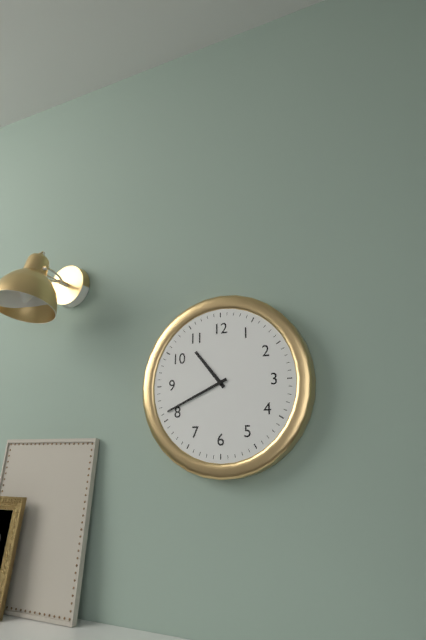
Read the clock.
10:41
